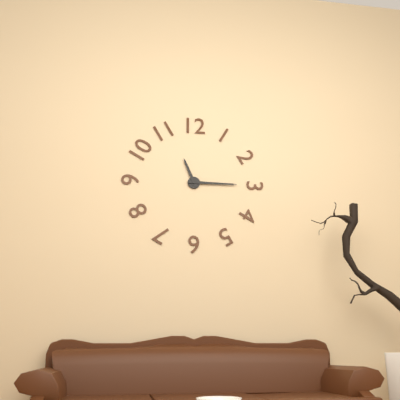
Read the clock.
11:15
